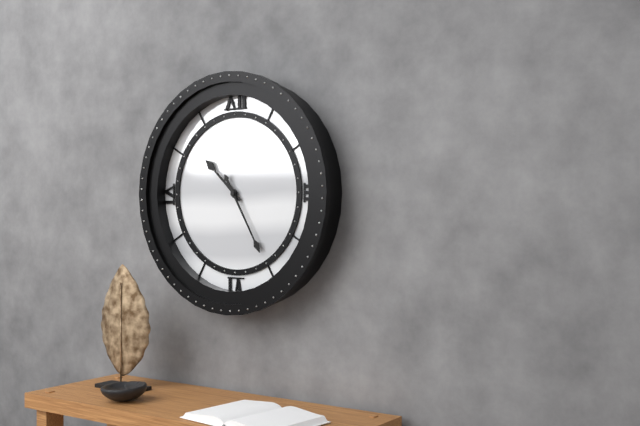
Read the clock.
10:25
